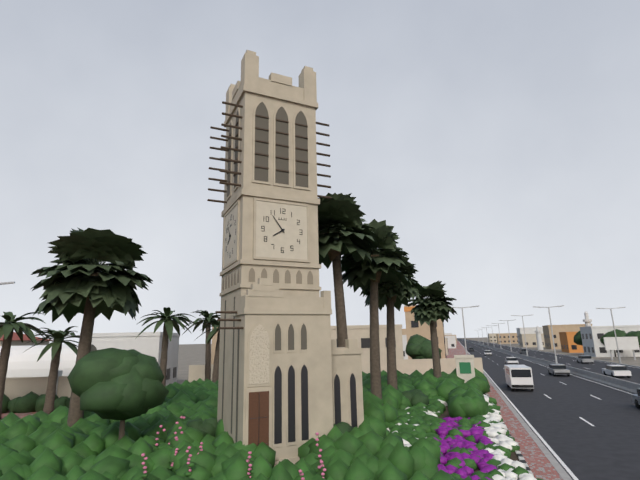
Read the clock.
7:54
